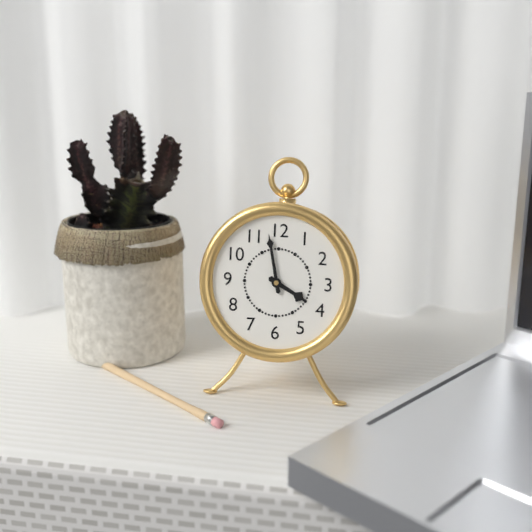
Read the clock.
3:58
